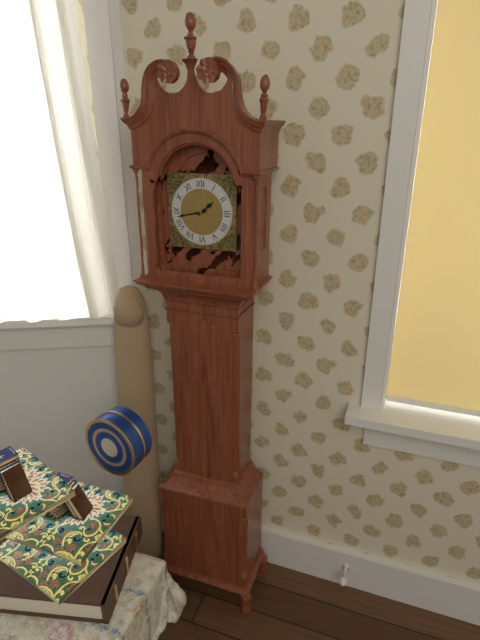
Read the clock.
1:43
